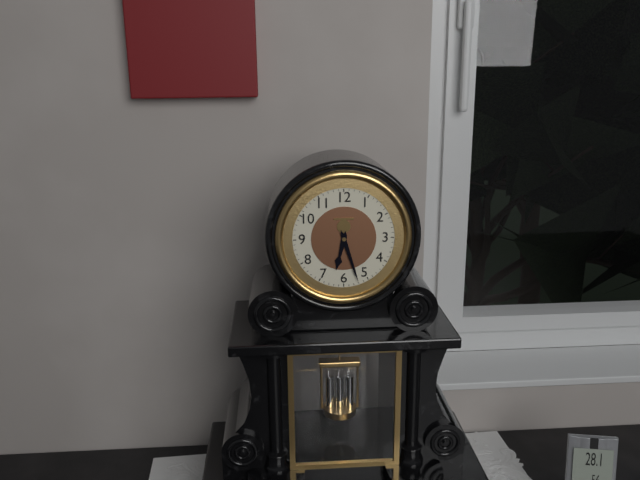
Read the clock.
6:27
